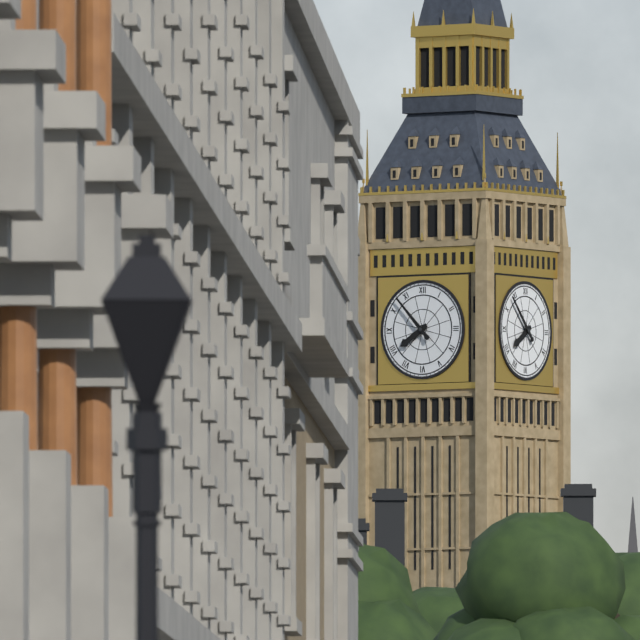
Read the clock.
7:53
